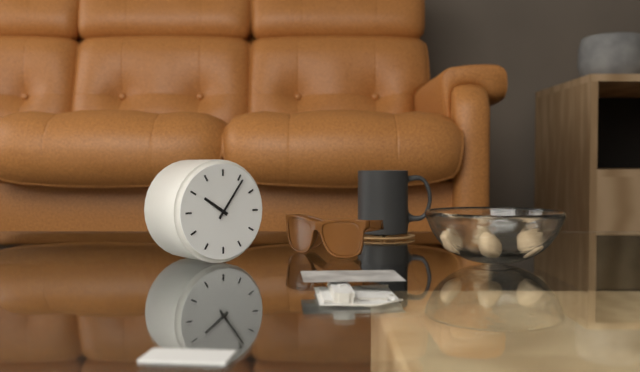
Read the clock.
10:06
